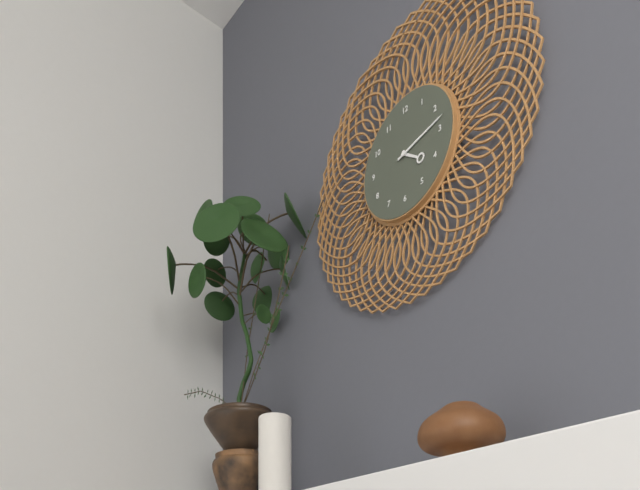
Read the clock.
4:13
